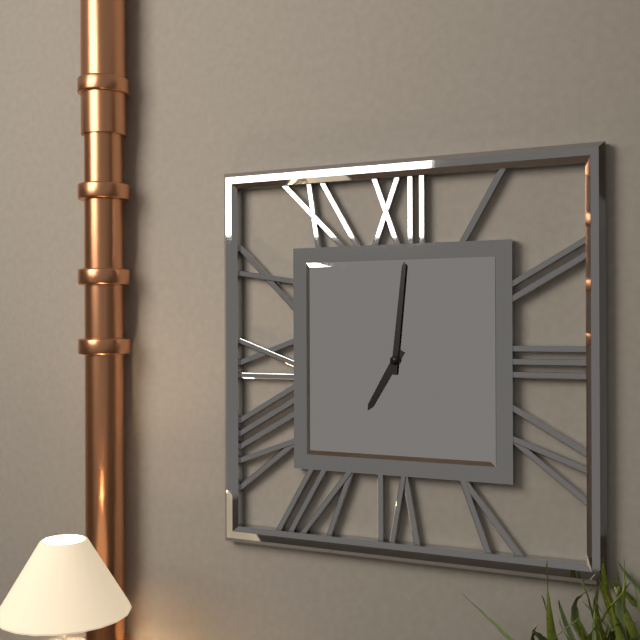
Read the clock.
7:01
